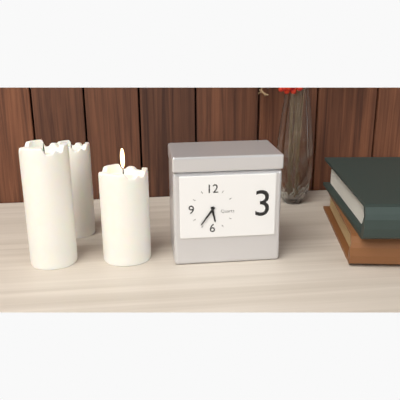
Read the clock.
5:36
